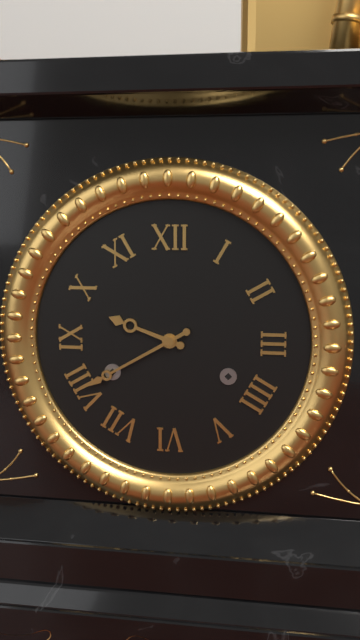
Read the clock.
9:40
